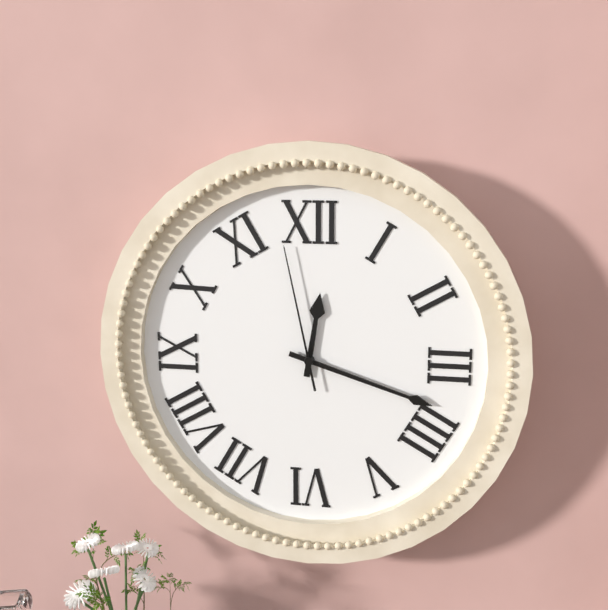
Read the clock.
12:18:58
